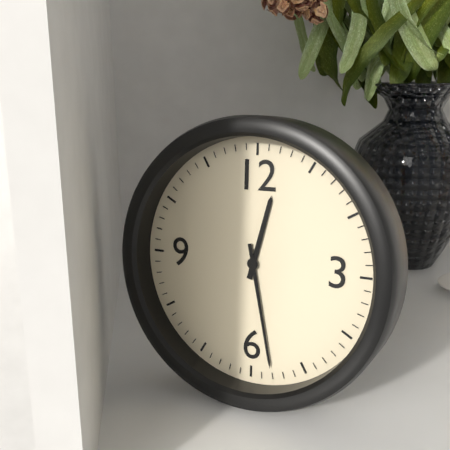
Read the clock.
12:28
